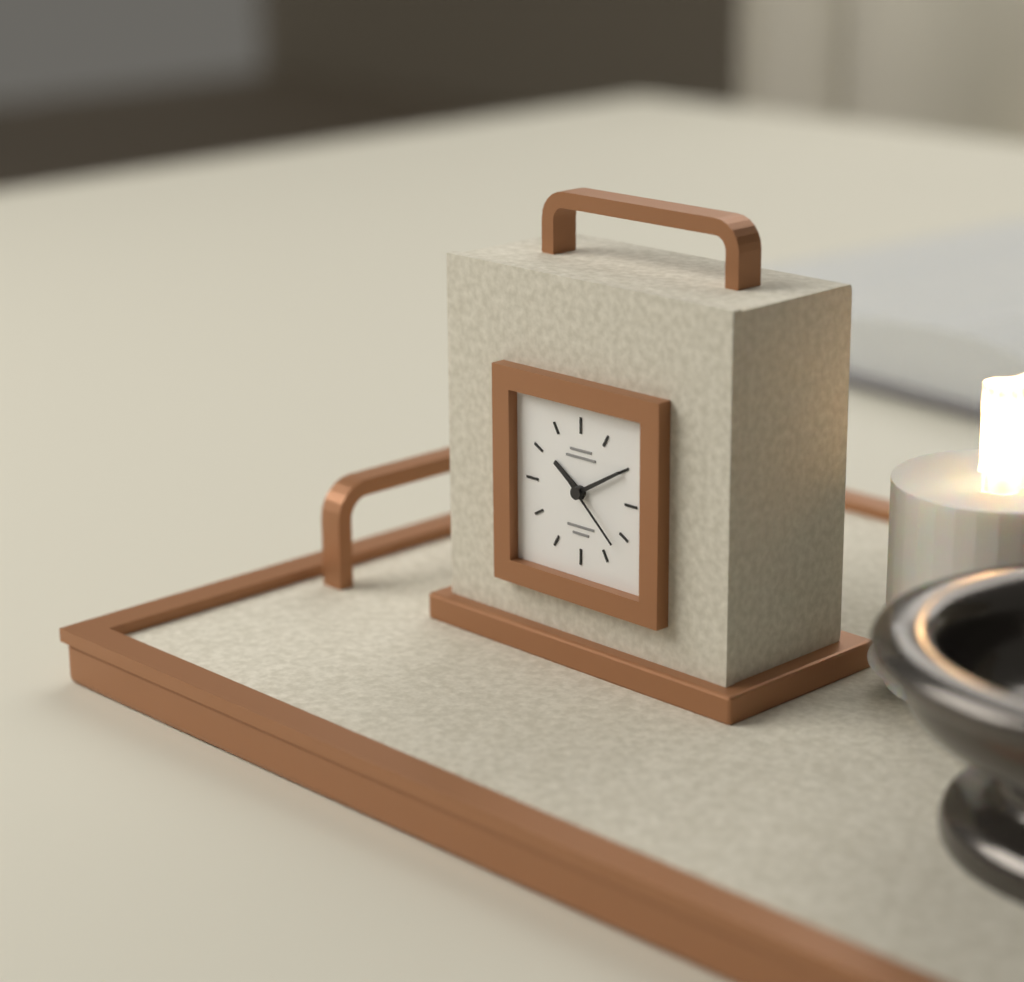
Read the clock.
10:10:22
